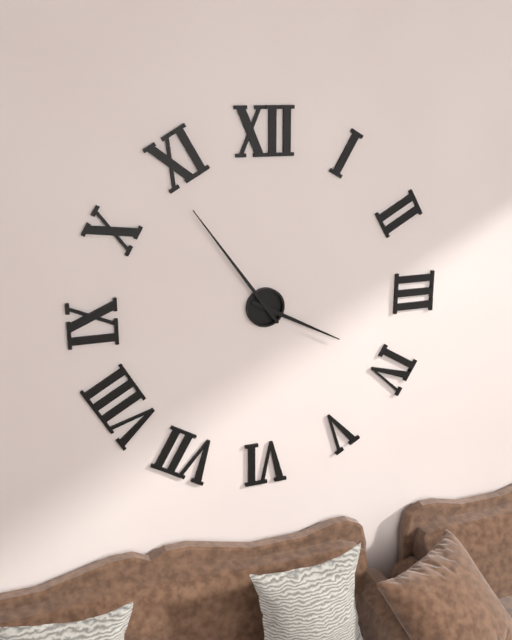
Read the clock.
3:54
